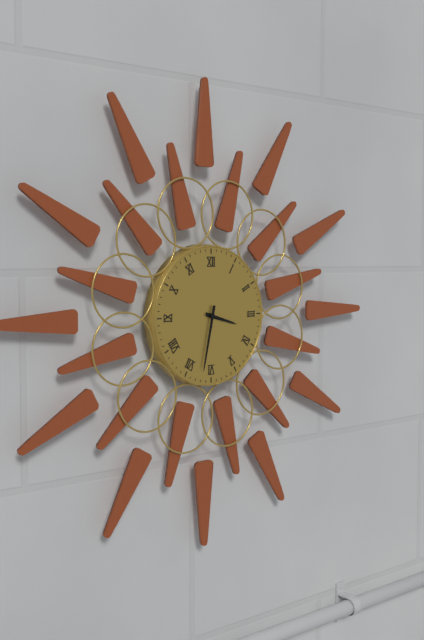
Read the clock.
3:32
